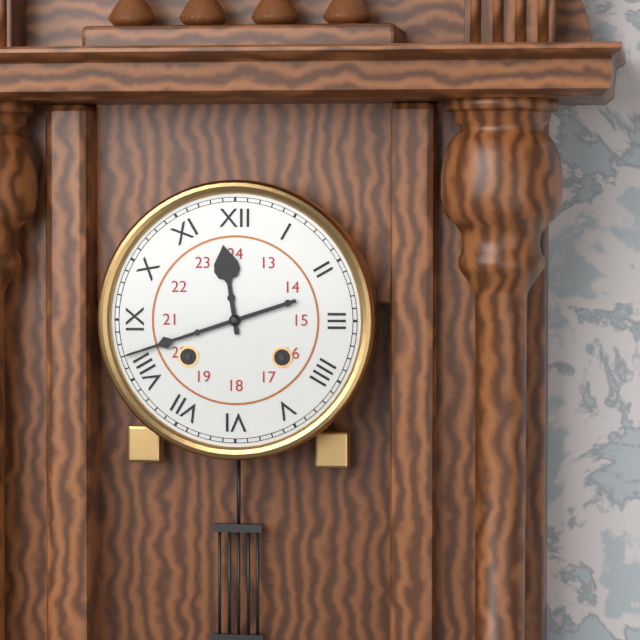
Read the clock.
11:42
